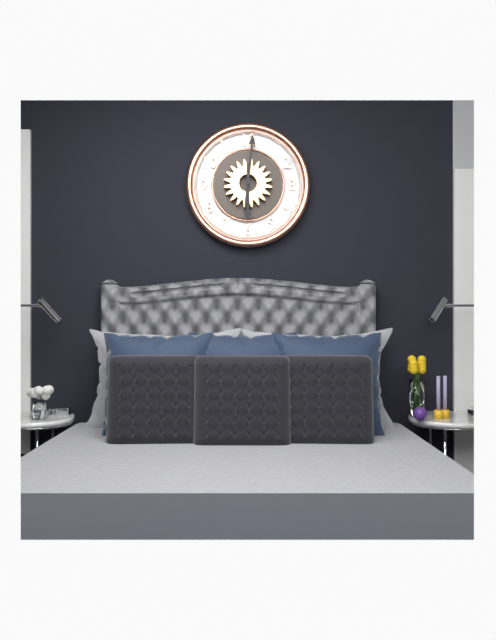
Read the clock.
6:01
